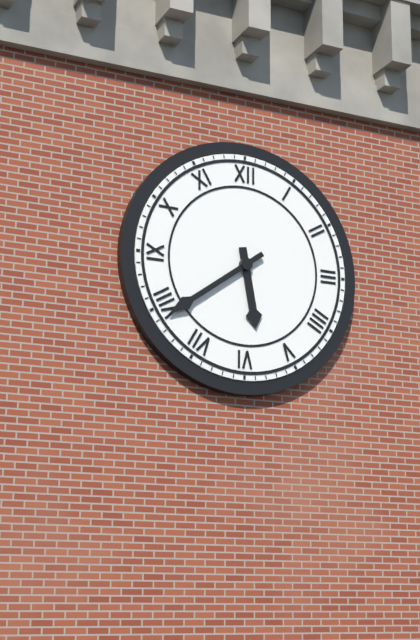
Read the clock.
5:39
